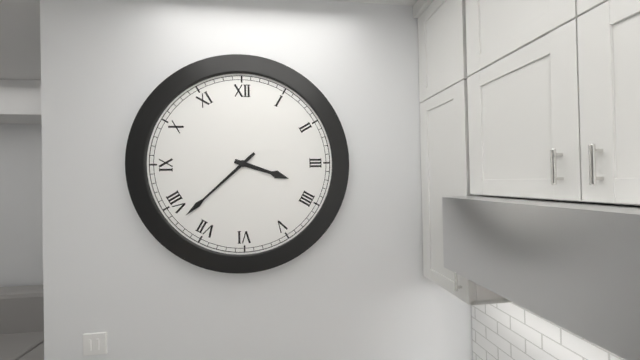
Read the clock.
3:38
